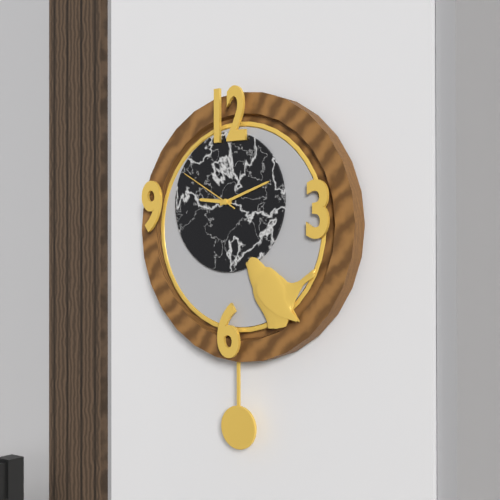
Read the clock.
9:12:50
